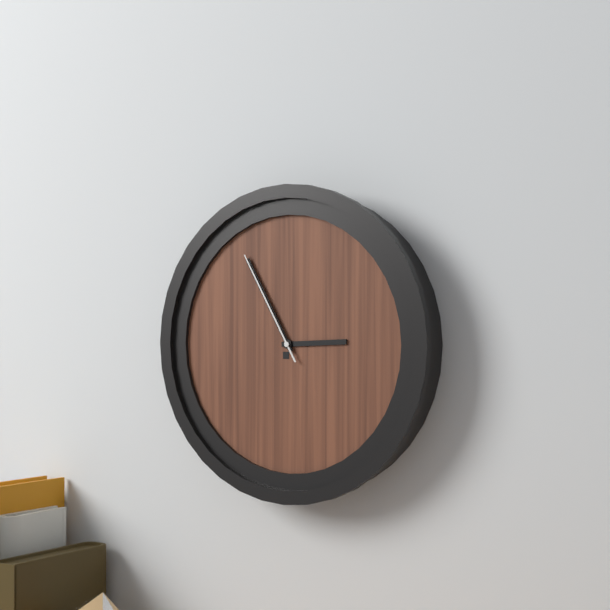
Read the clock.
2:55:55
